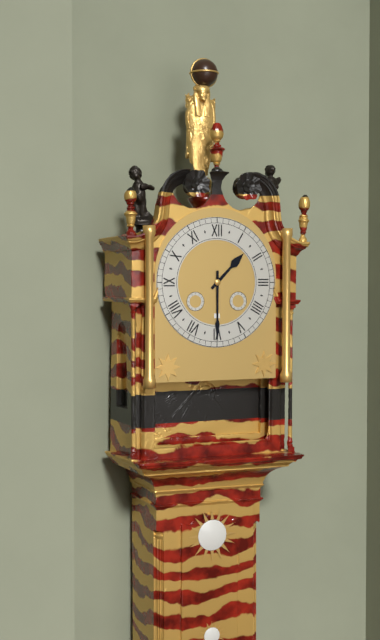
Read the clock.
1:30
